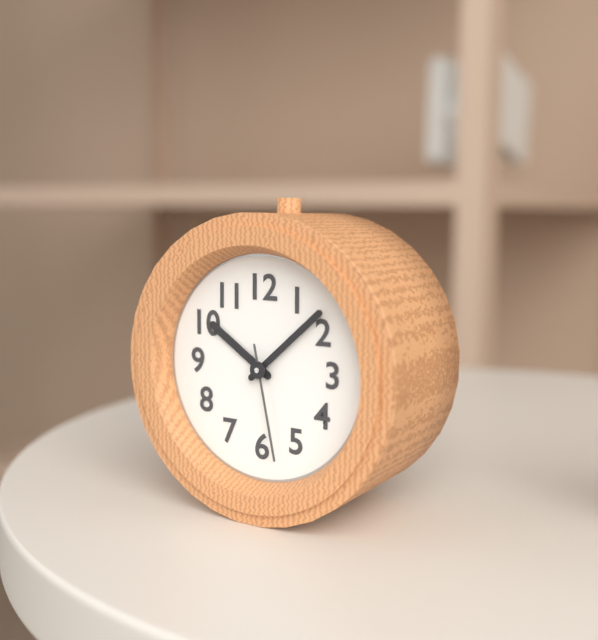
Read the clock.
10:08:28
